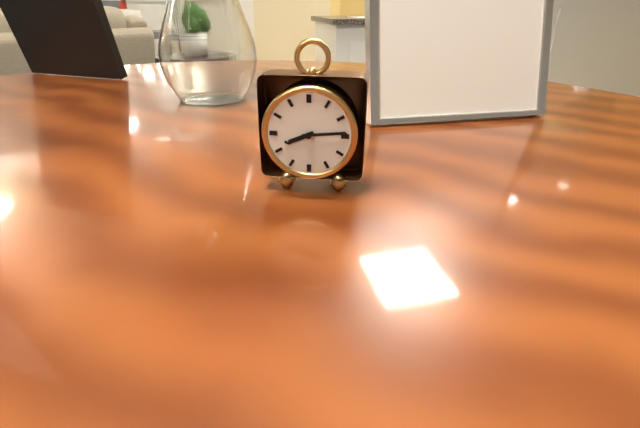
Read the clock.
8:14
